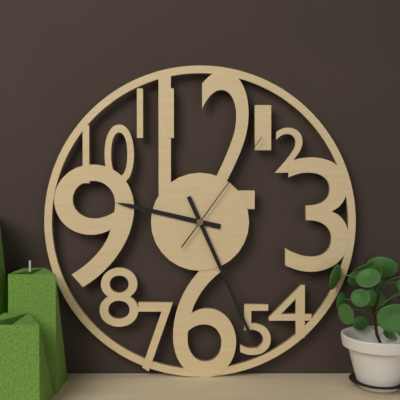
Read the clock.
9:26:06
